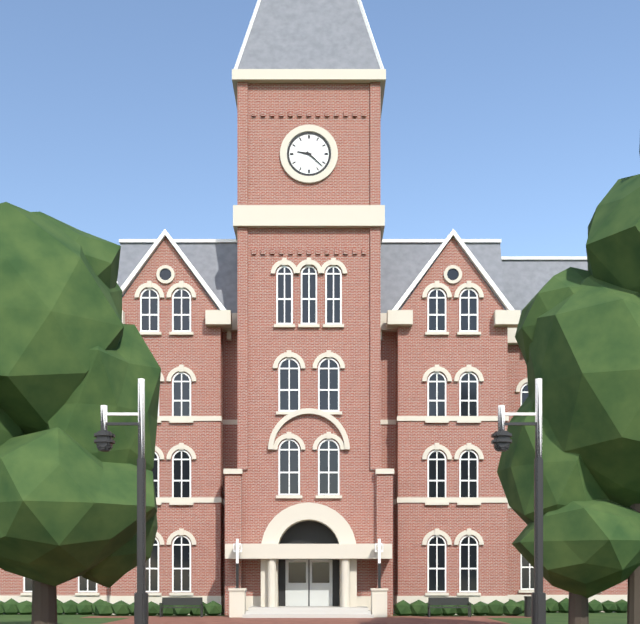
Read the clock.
9:22
